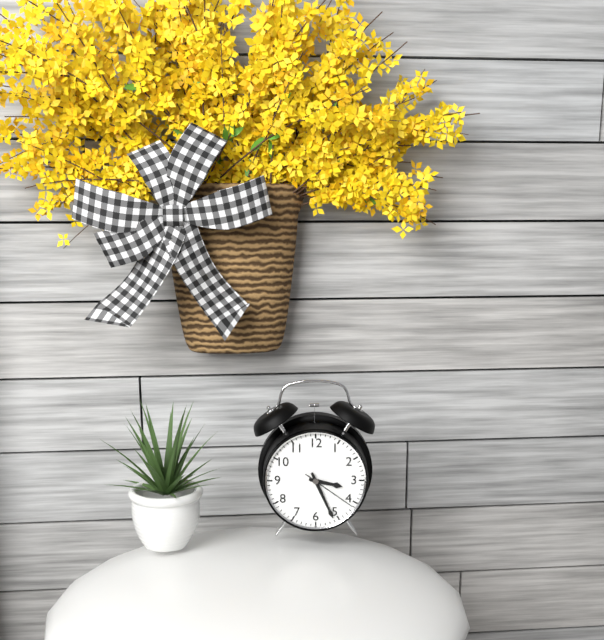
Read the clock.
3:26:21
